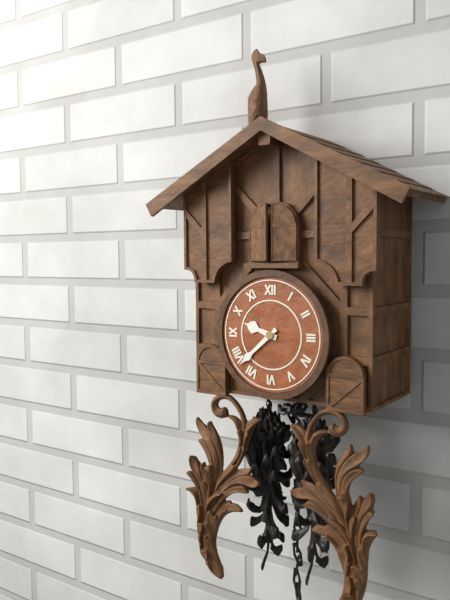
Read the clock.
9:38
